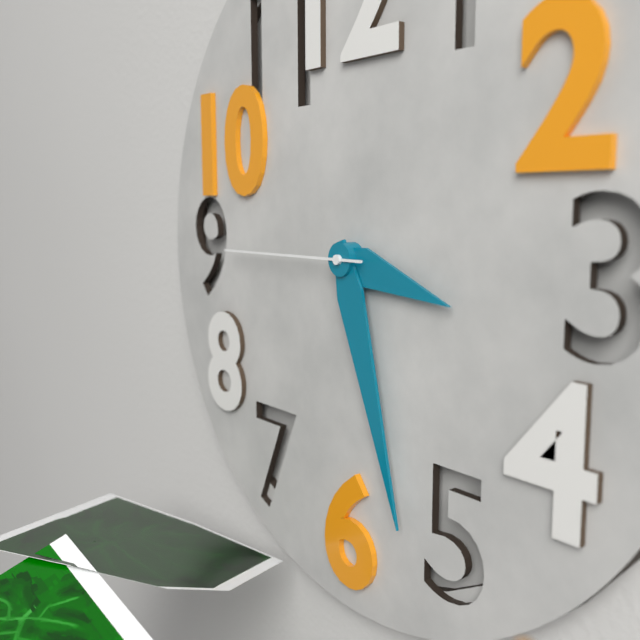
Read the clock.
3:27:45
